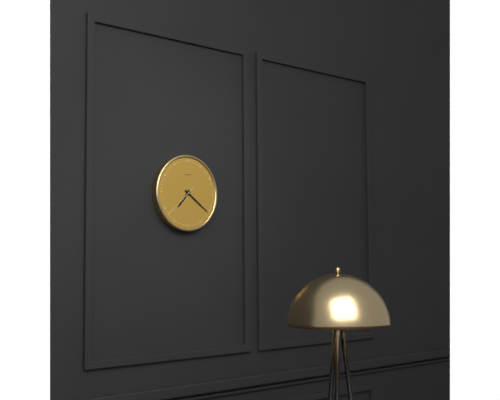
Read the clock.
7:21
